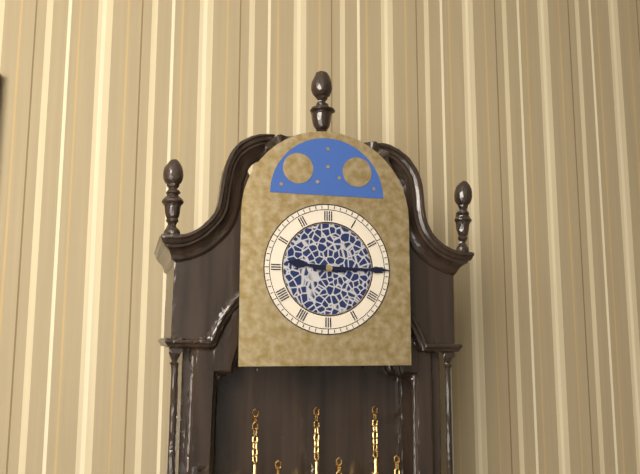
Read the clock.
9:15
